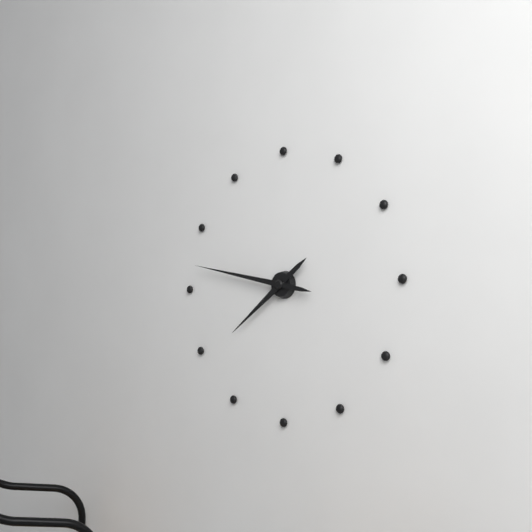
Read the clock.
7:47
